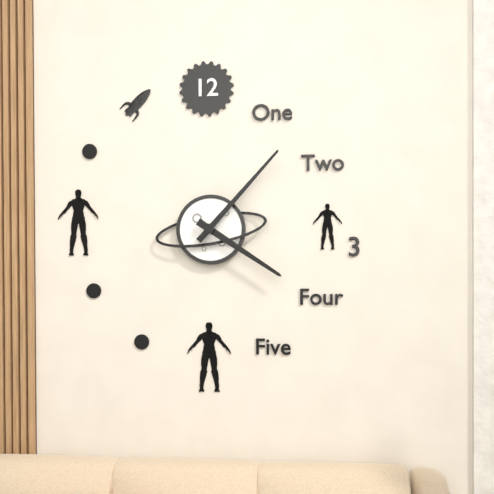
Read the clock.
4:07
